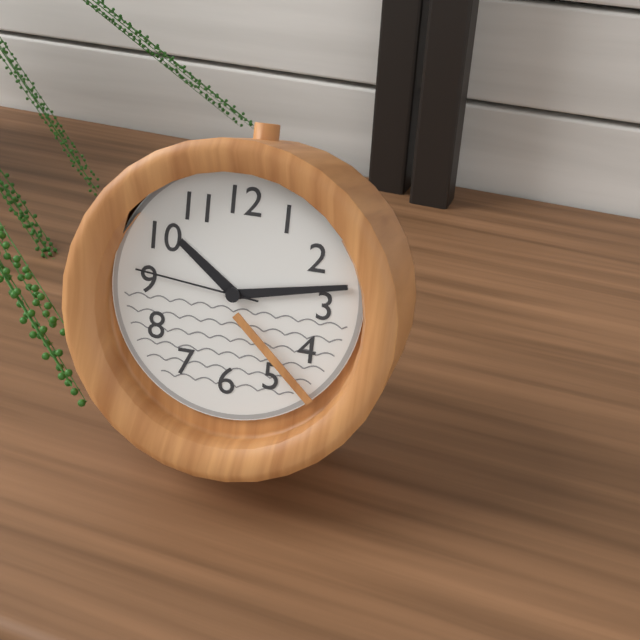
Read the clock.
10:13:46
